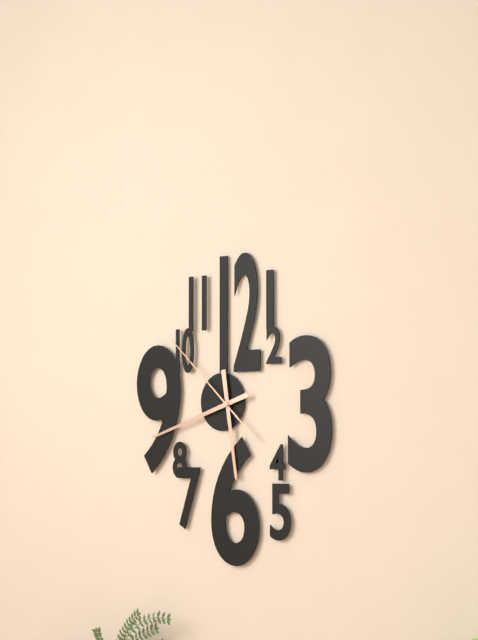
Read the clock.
5:42:52
